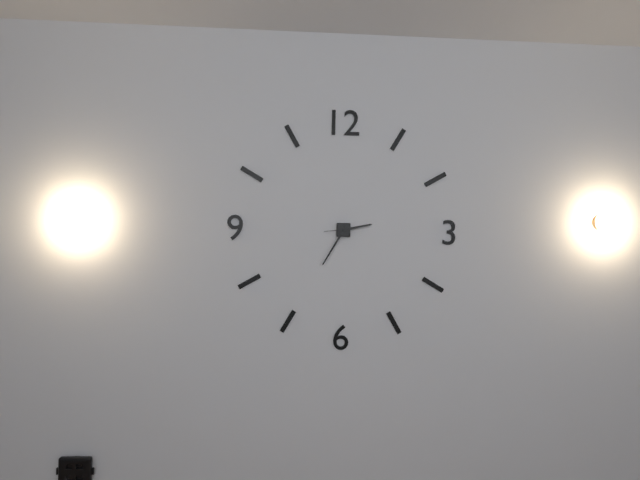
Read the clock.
2:35
